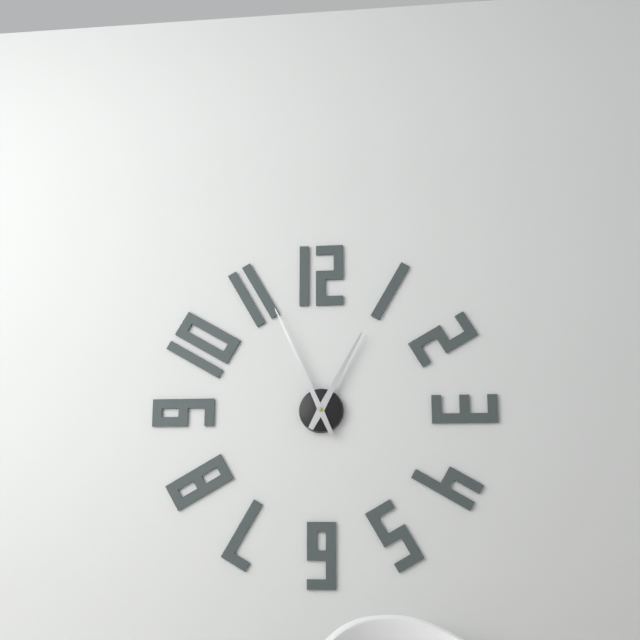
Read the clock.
12:56
